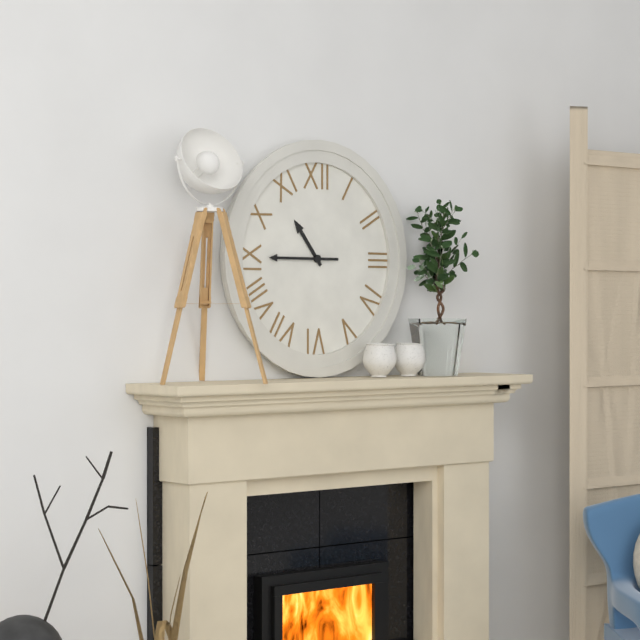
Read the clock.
10:45
